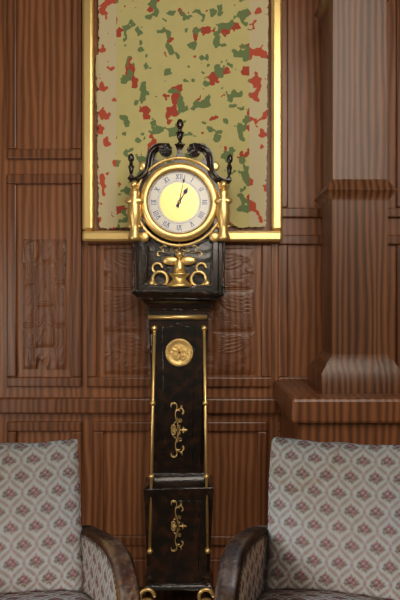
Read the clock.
1:02
